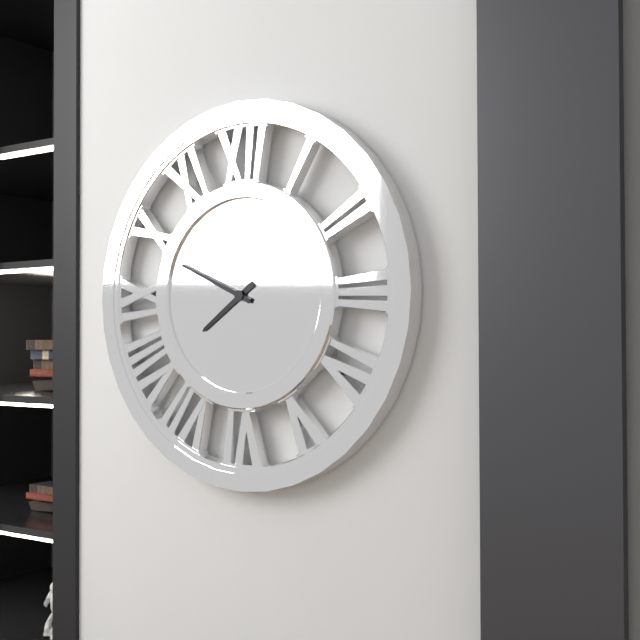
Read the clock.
7:49
